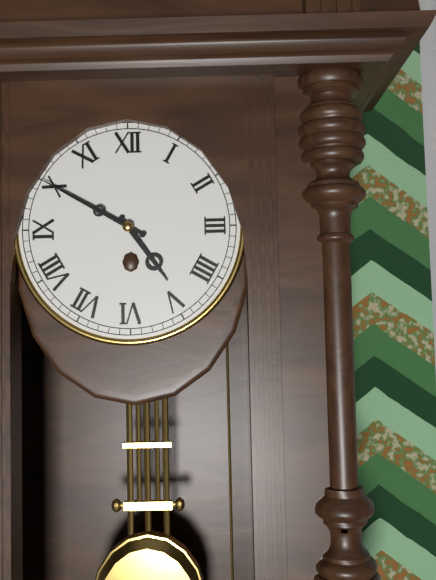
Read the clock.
4:50
